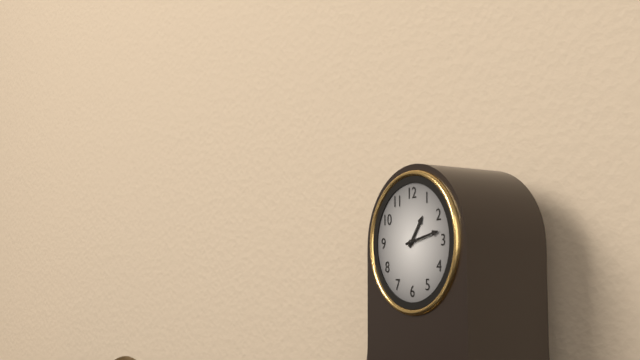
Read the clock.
1:13
